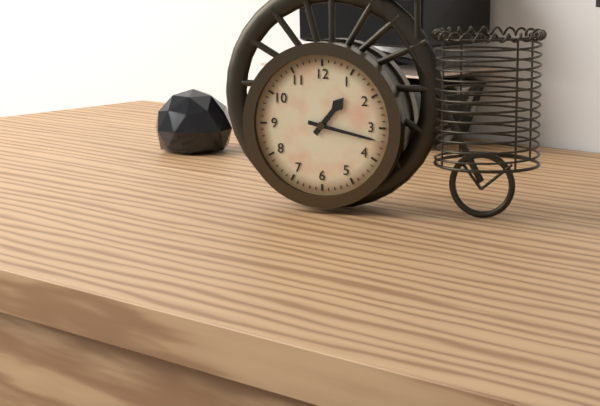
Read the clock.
1:17
